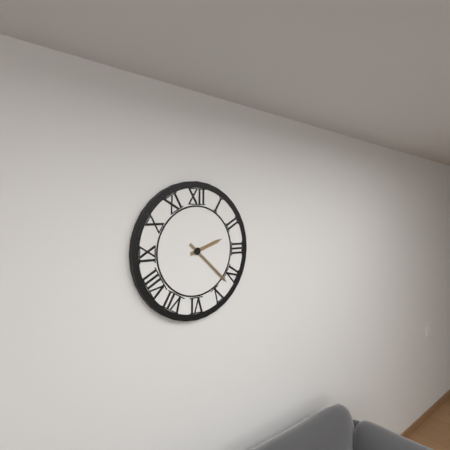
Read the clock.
2:22
